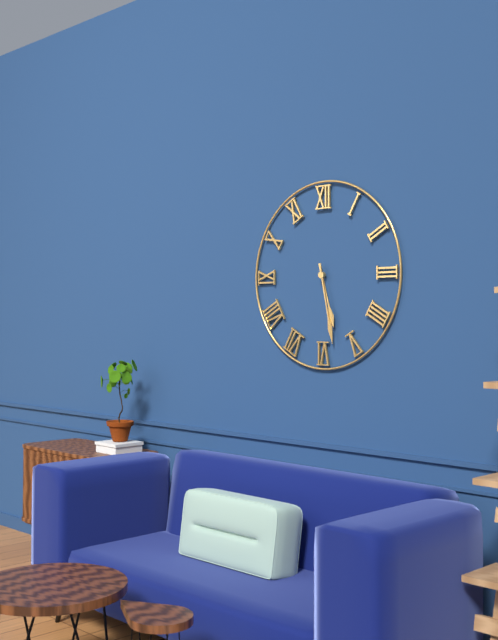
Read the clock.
5:28
